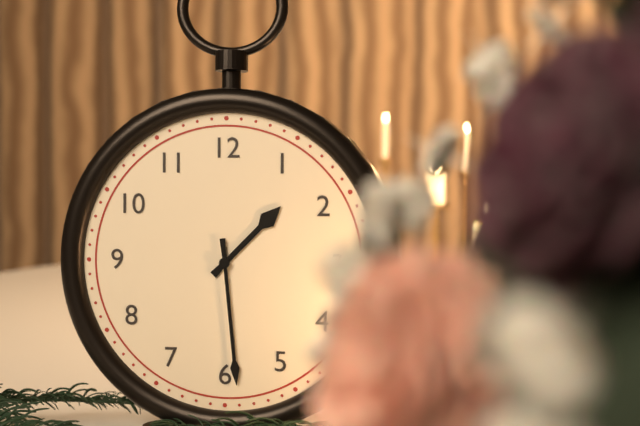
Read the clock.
1:29
